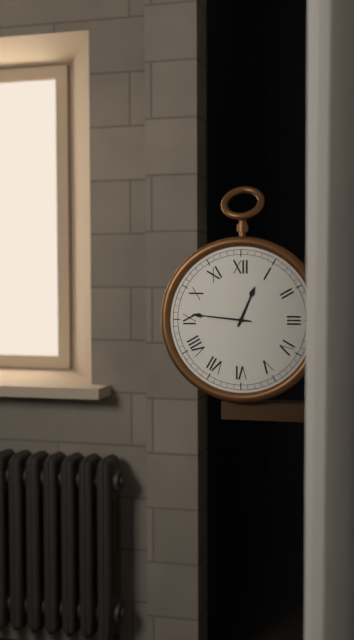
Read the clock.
12:46
